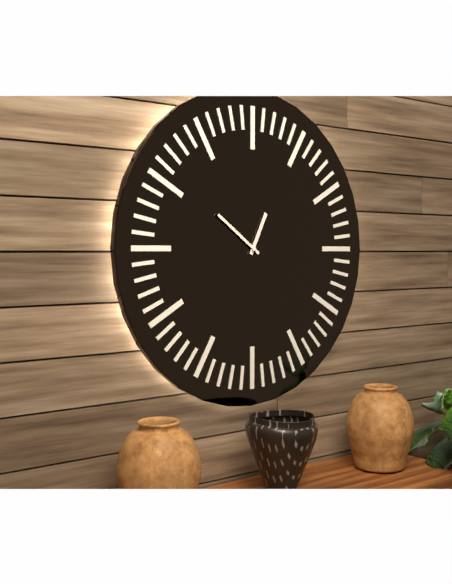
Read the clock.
12:51
